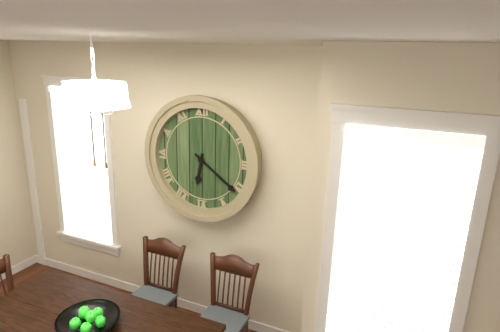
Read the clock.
6:21
